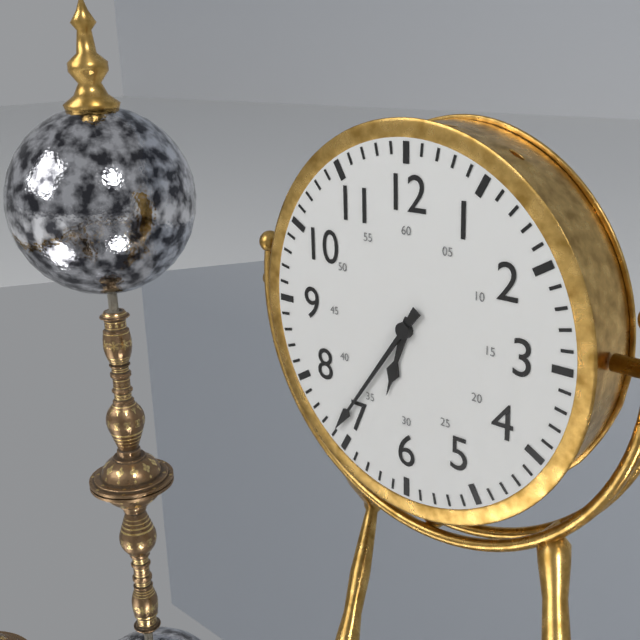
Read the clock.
6:36
